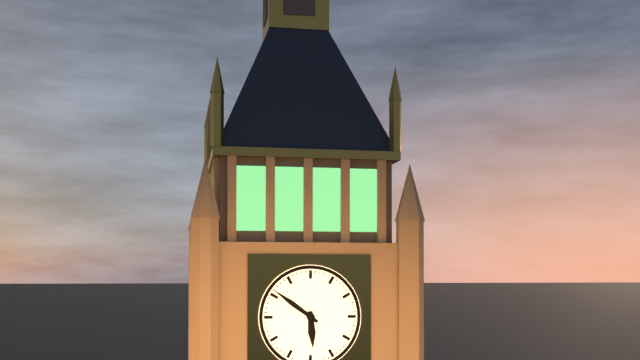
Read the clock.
5:51
